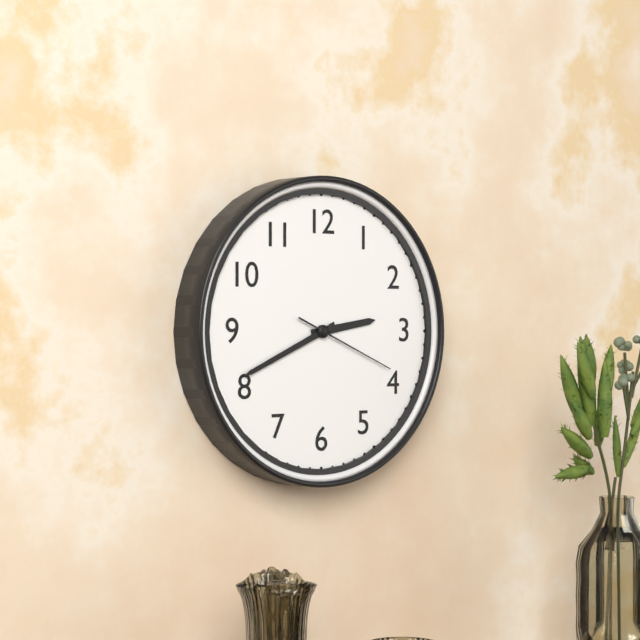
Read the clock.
2:41:19
